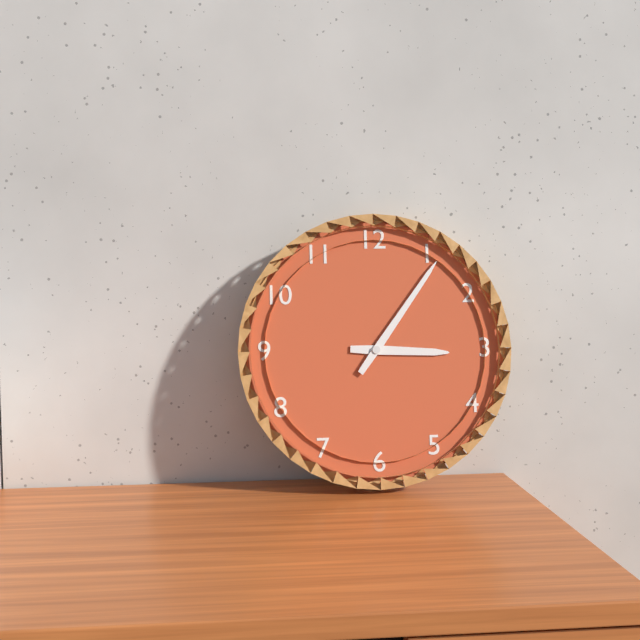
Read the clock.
3:06
